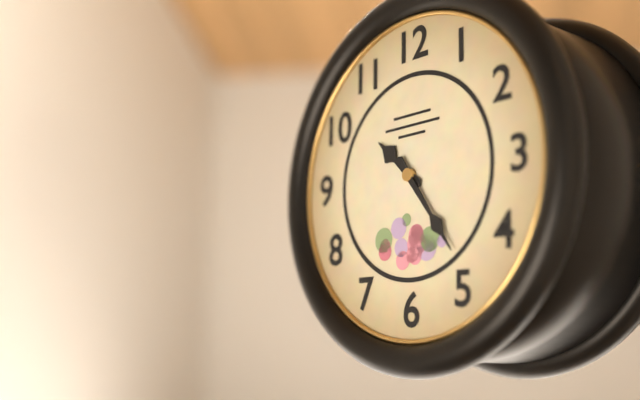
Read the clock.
10:24
